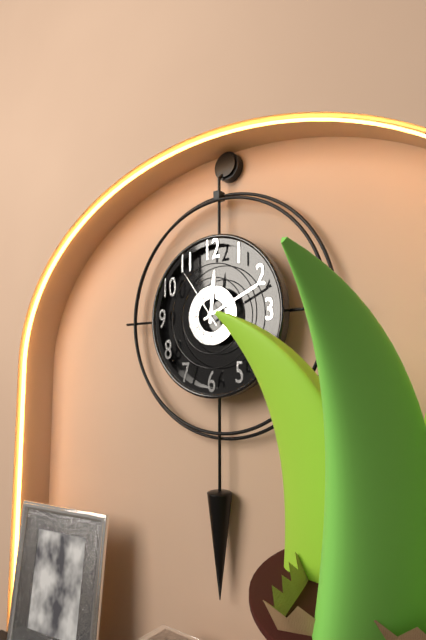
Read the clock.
12:11:54
